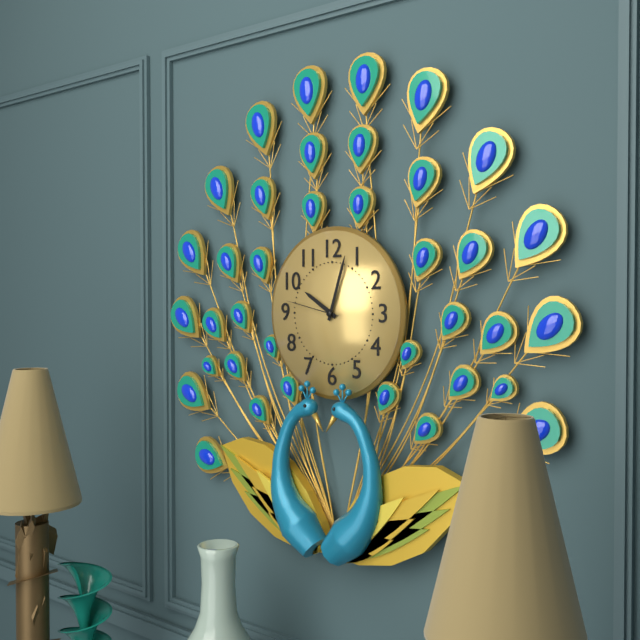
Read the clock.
10:03:47
